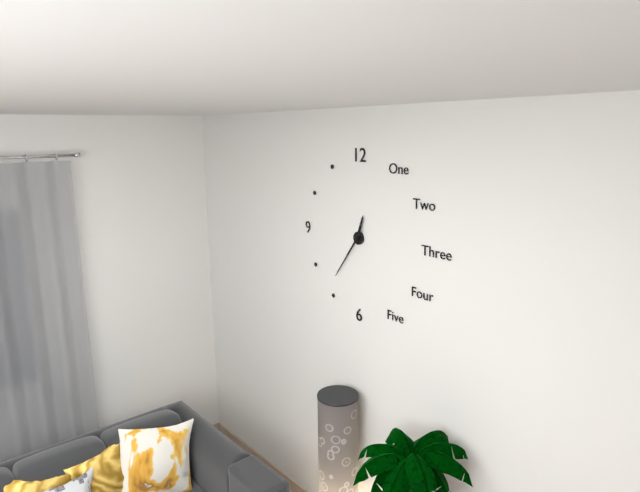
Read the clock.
12:36
